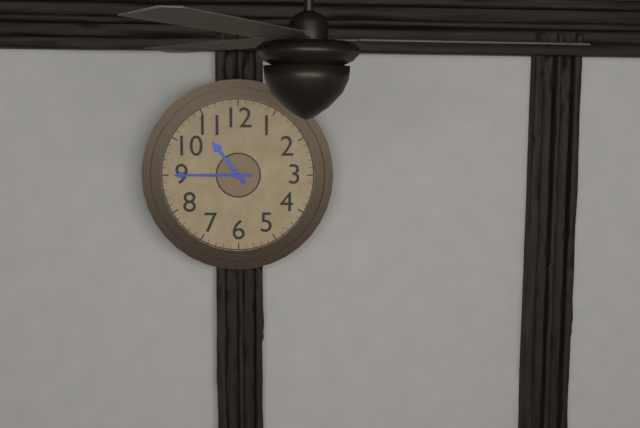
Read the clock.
10:45
